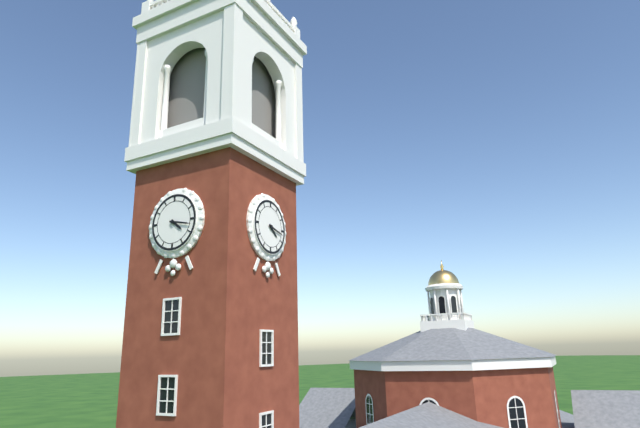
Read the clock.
4:17
